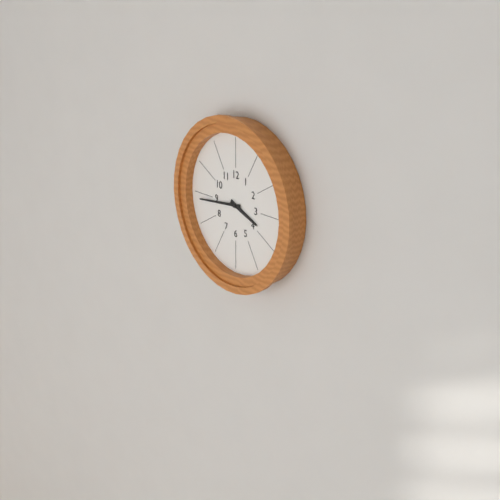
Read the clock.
3:44
